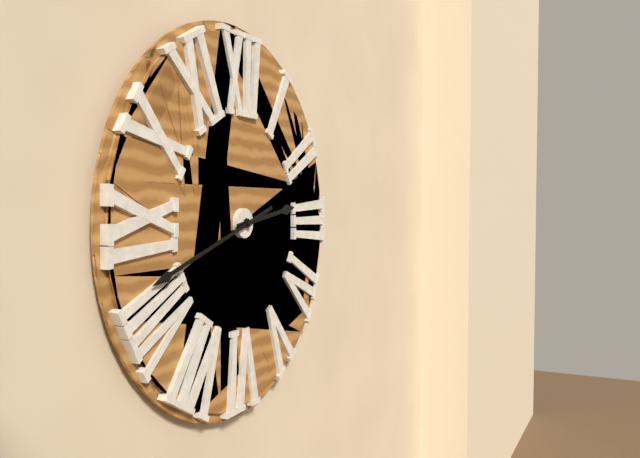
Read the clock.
2:42
